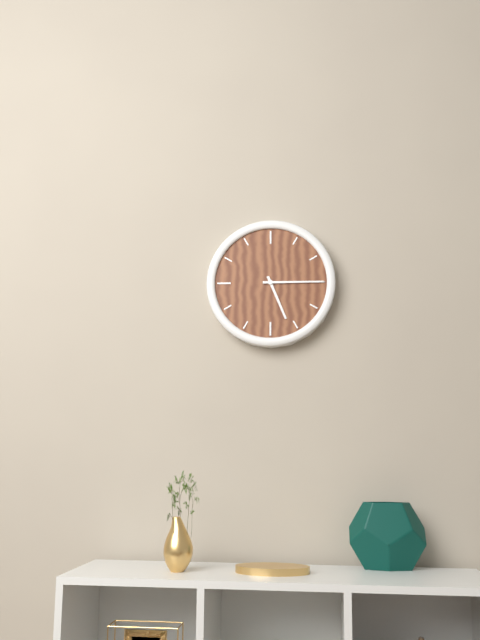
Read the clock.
5:15
